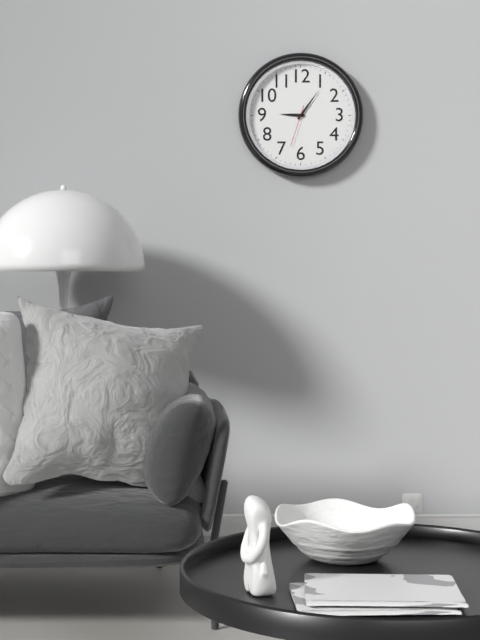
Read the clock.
9:06
